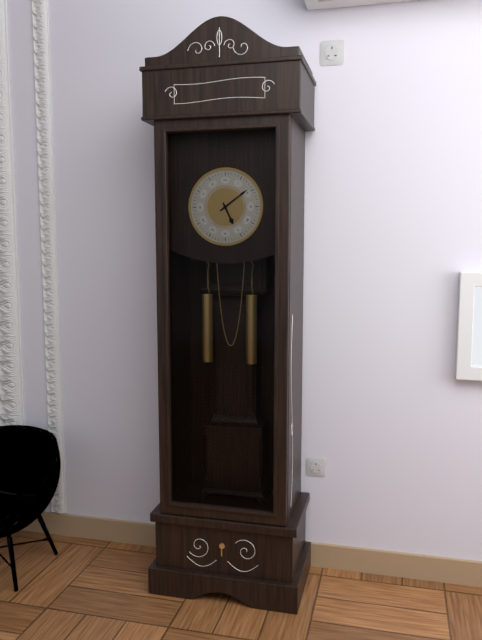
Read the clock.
5:09
